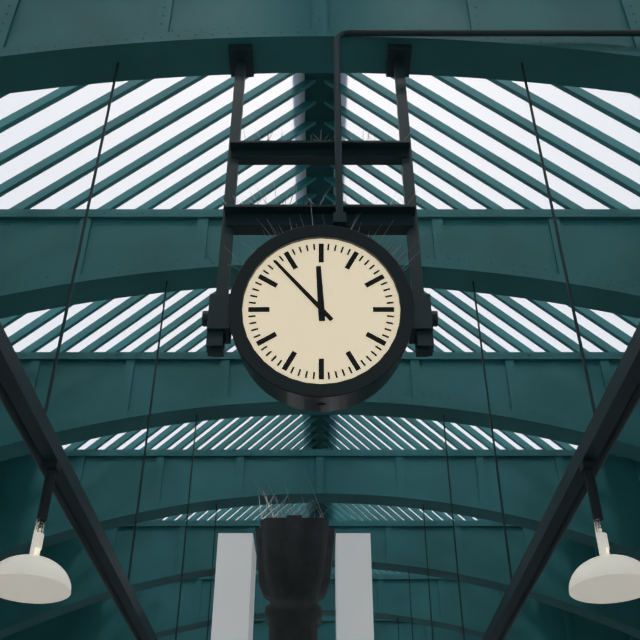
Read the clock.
11:53
